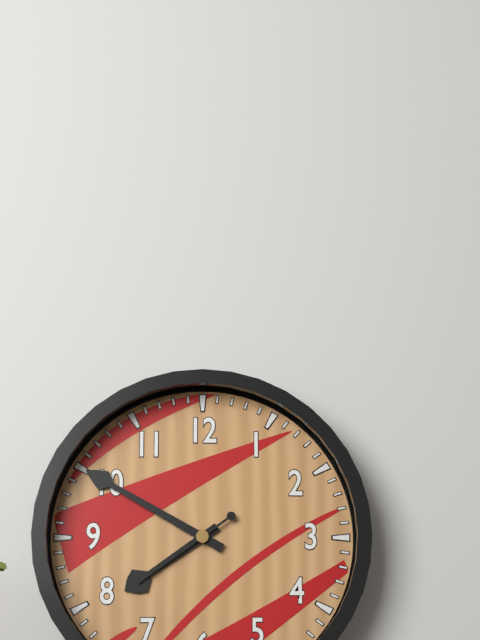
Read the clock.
7:50:39
